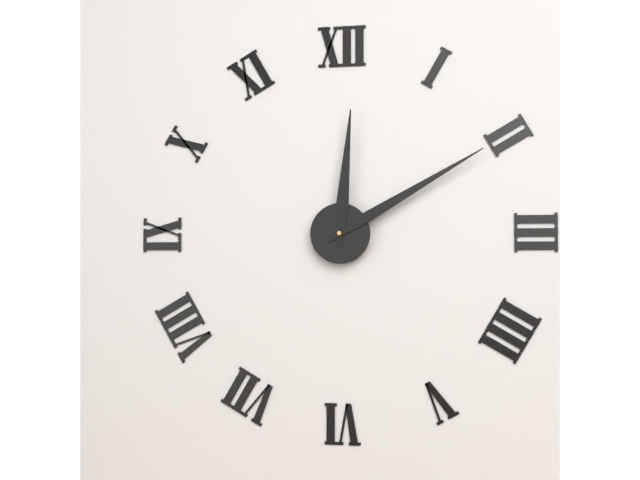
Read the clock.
12:10
